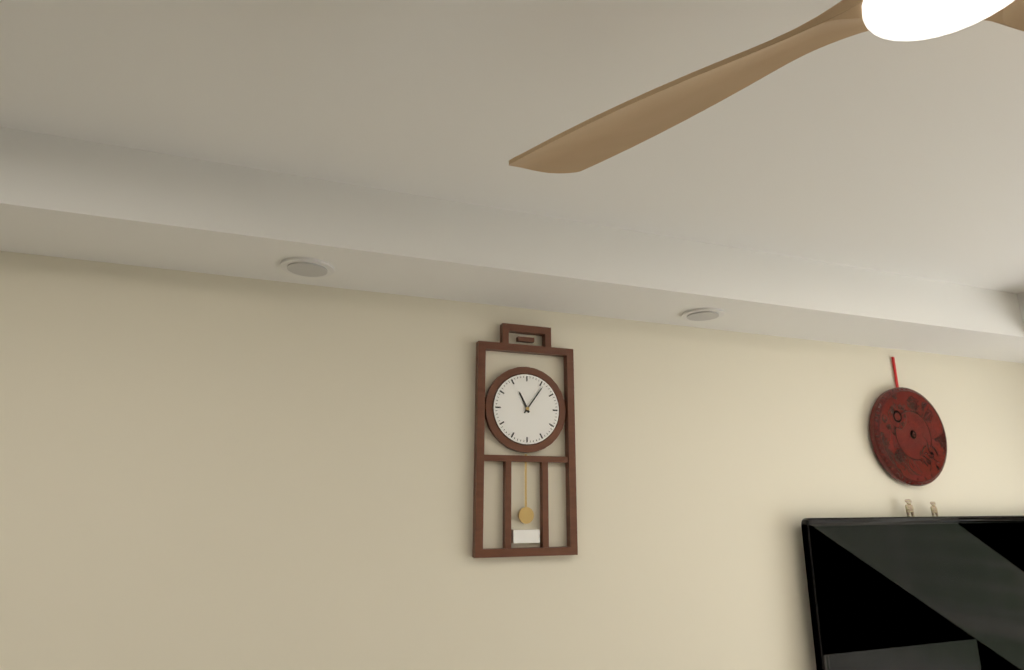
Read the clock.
11:06
